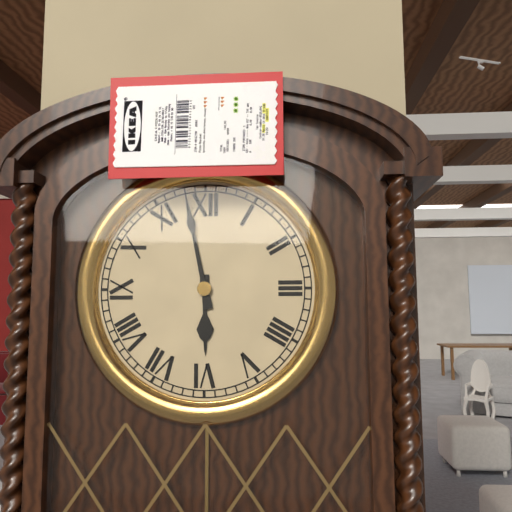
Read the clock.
5:58
